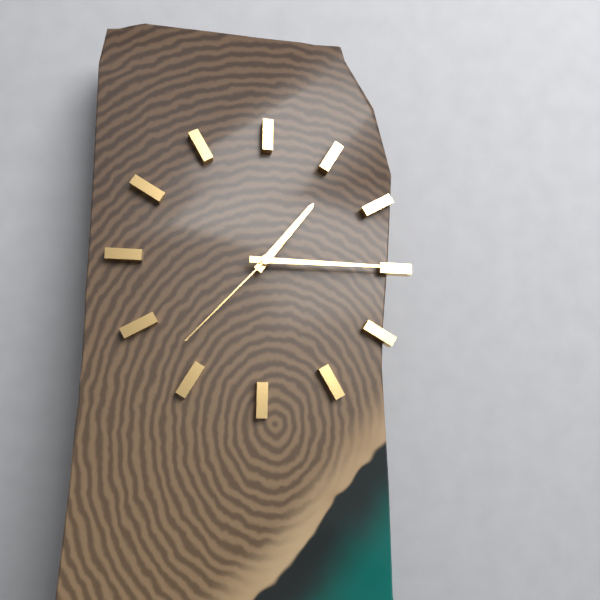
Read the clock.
1:15:37
